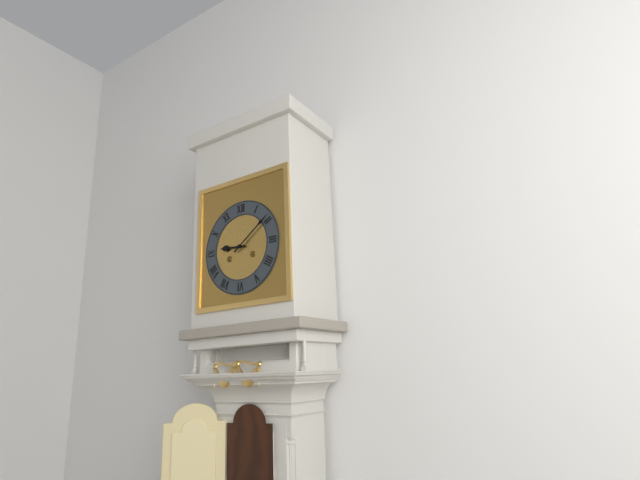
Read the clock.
9:09
